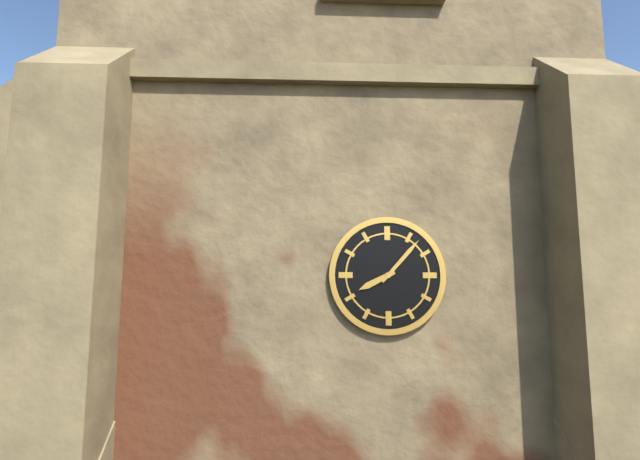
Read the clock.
8:07
